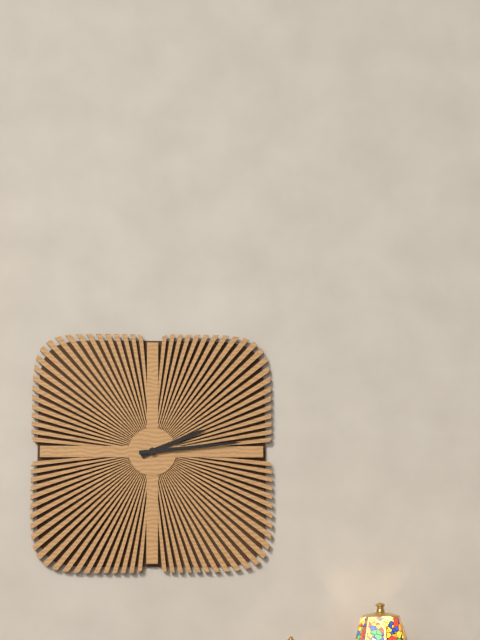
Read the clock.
2:14
